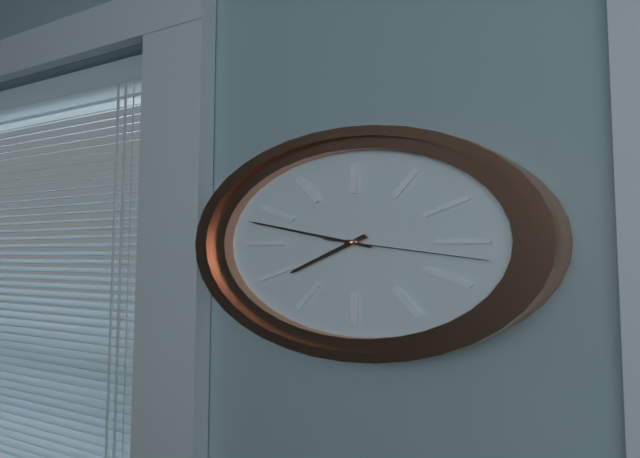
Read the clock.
7:48:17
